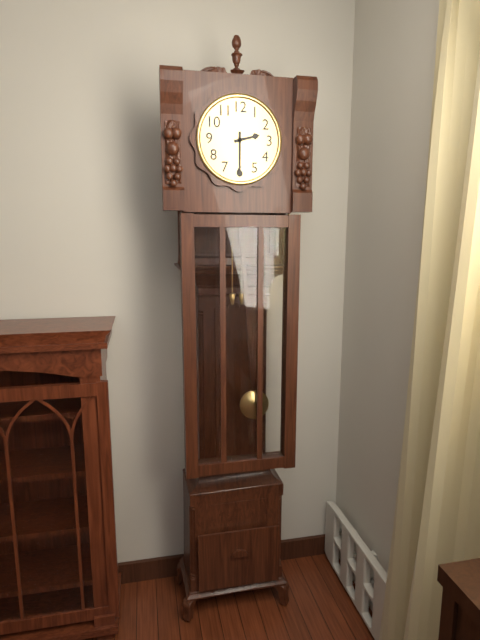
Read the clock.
2:30
